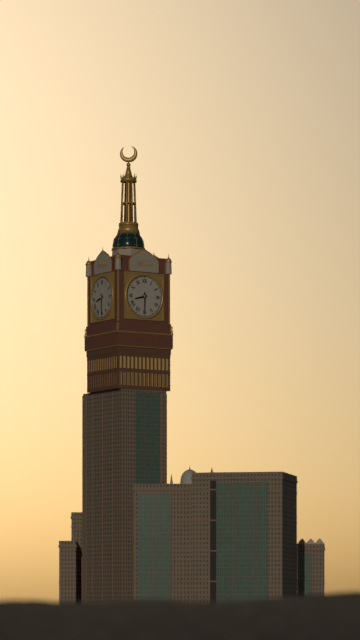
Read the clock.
8:30
